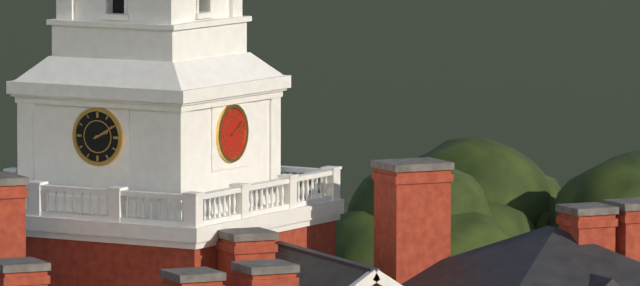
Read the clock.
2:10
